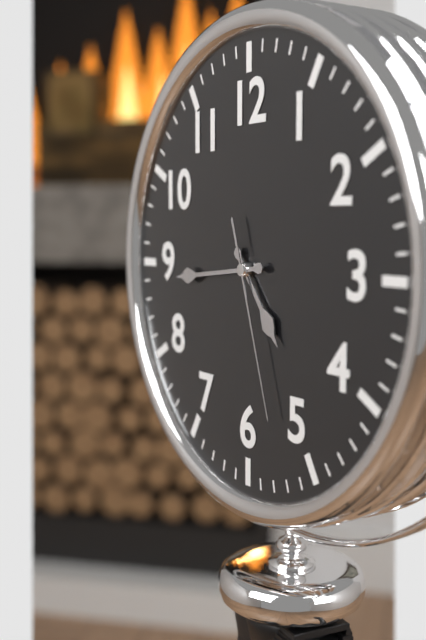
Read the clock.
4:44:27
